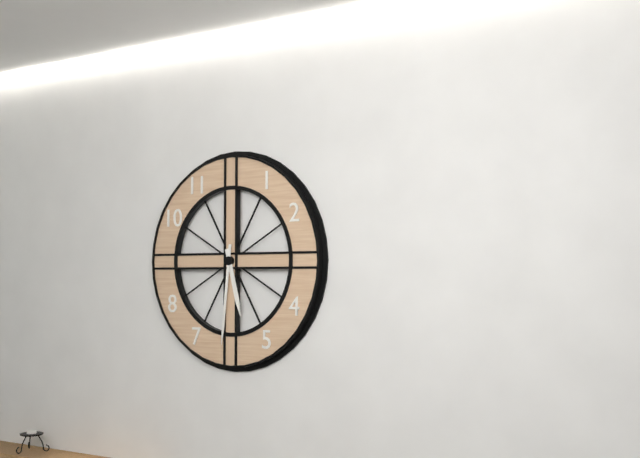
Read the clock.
5:31
